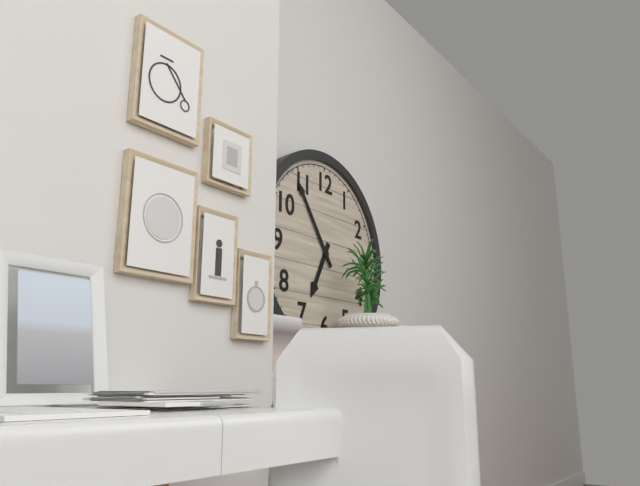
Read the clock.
6:54
